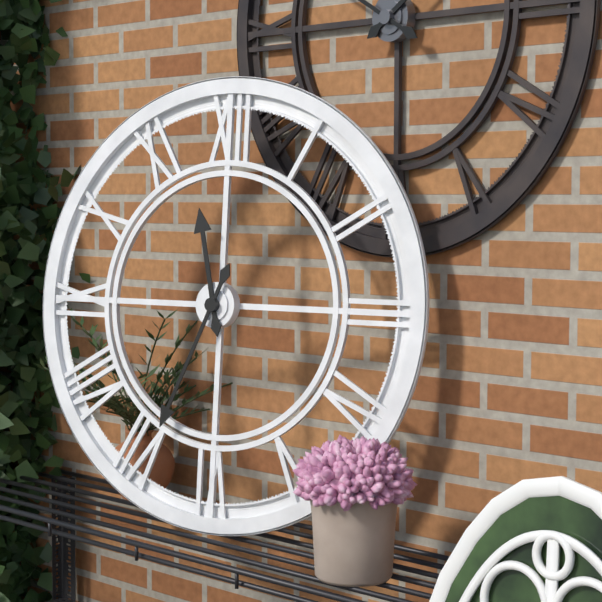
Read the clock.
11:34
